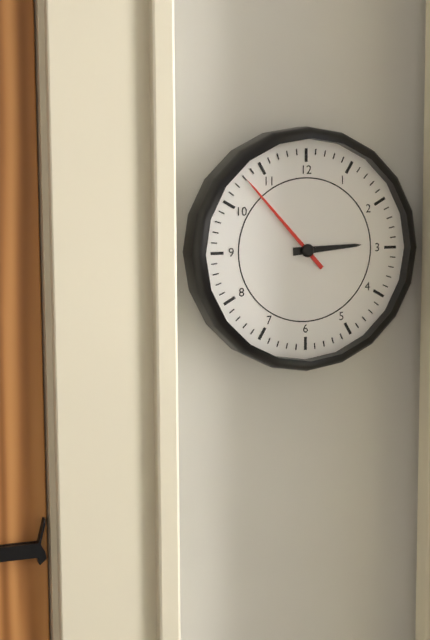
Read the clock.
2:53
